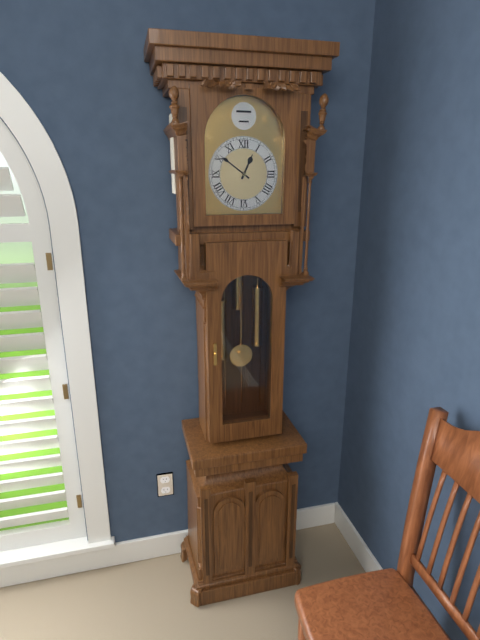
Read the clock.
12:51
